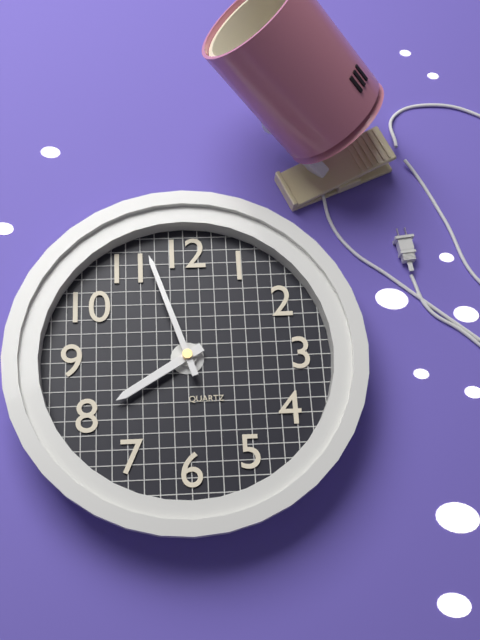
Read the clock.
7:57
